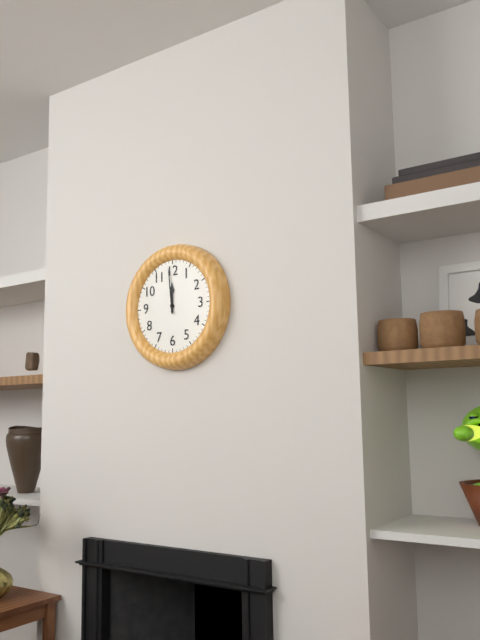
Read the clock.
11:59
